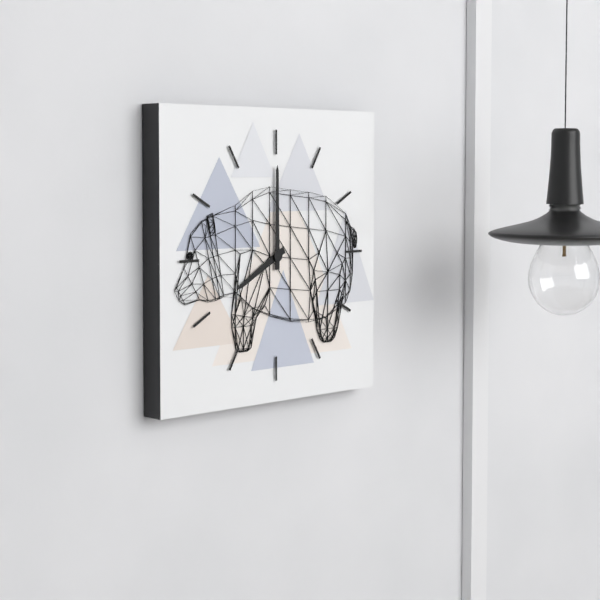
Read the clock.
8:00
